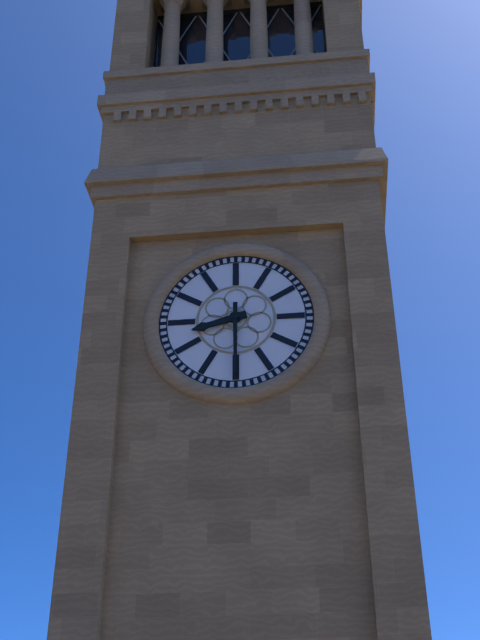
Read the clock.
8:30
